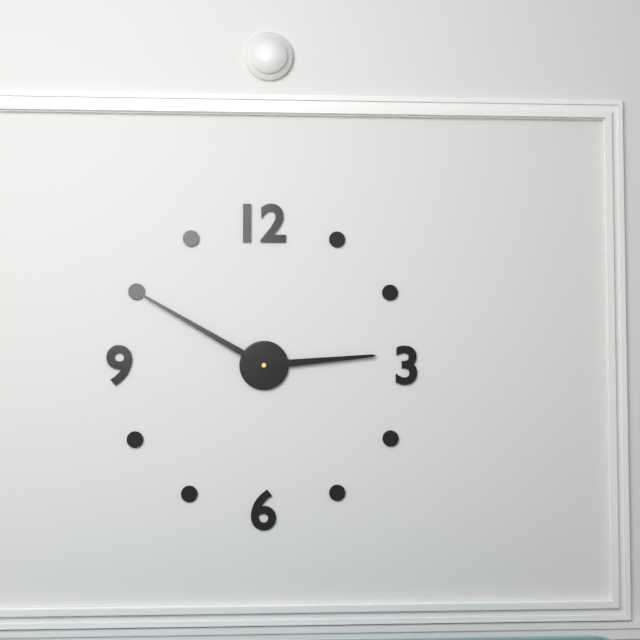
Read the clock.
2:50
